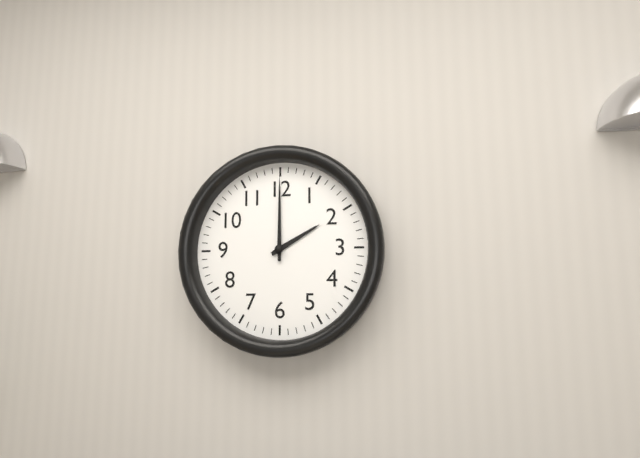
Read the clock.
2:00
